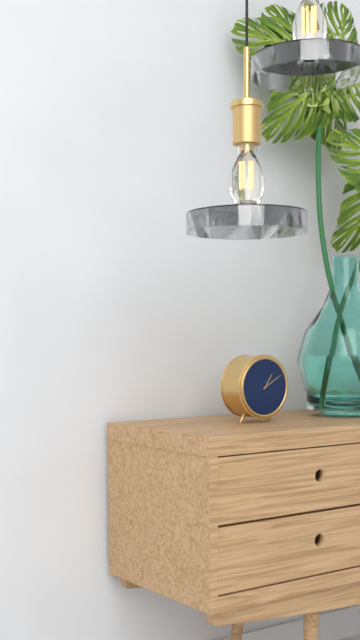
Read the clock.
1:10
